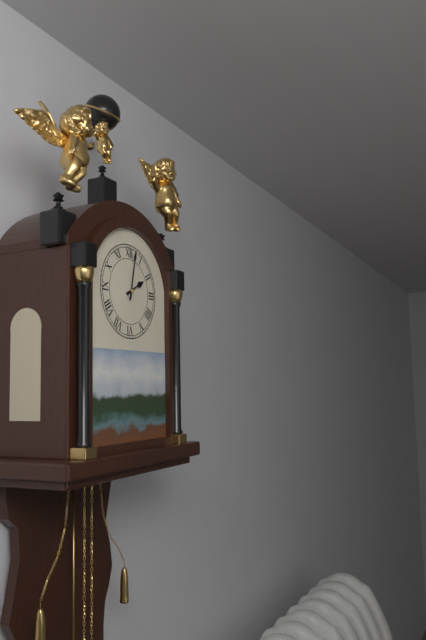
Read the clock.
2:02
